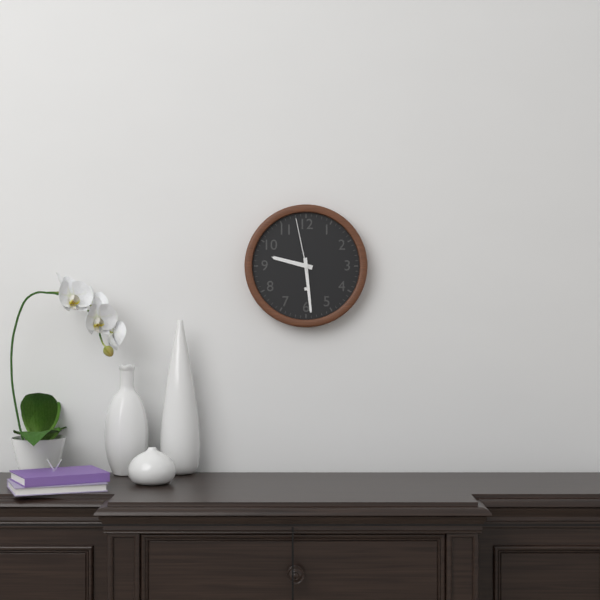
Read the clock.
9:29:58
